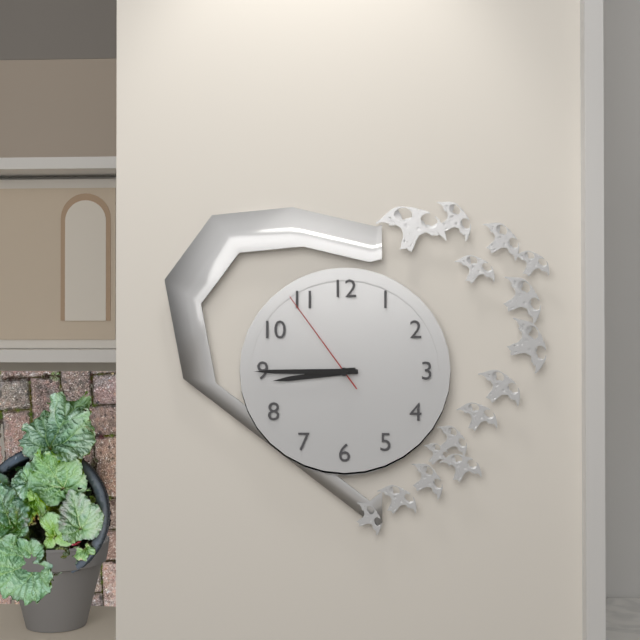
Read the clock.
8:45:54
